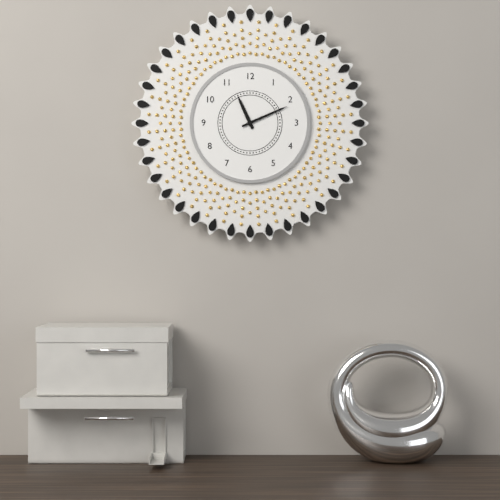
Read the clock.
11:11
